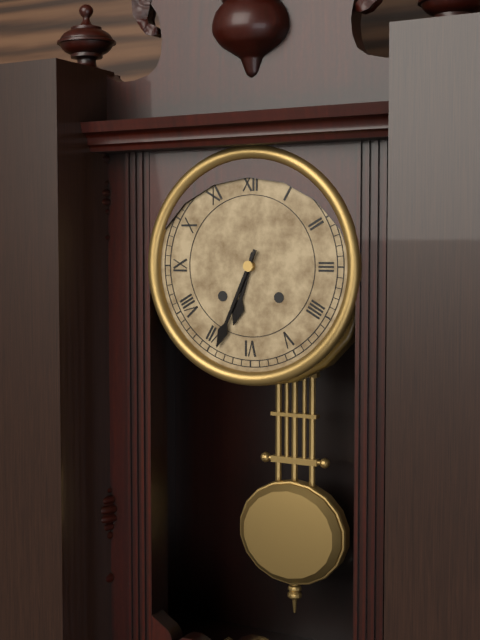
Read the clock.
6:34
